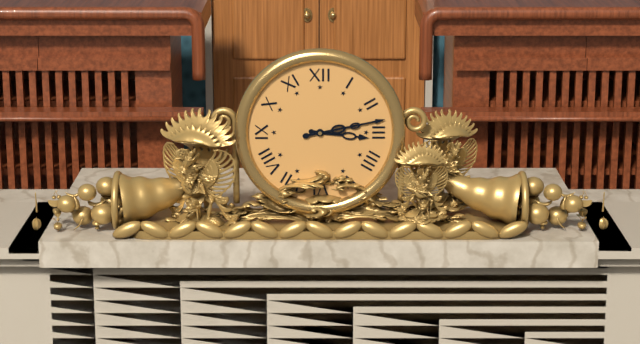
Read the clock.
3:13
